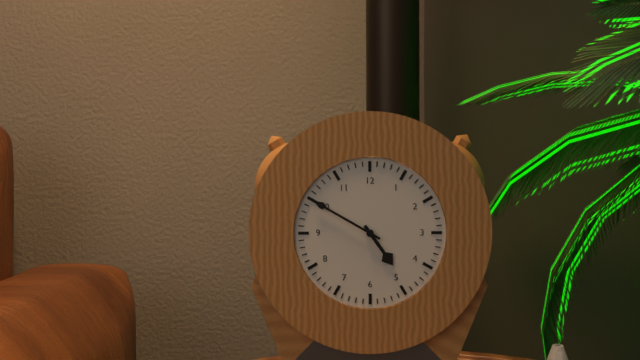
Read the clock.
4:50
